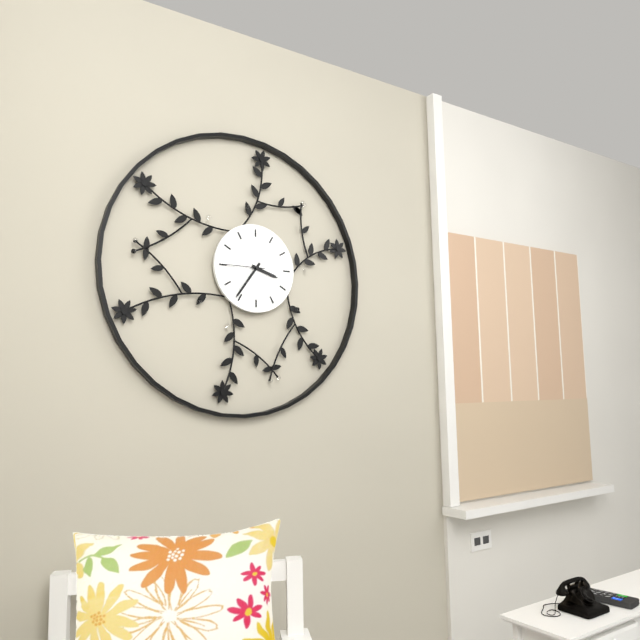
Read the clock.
3:36
